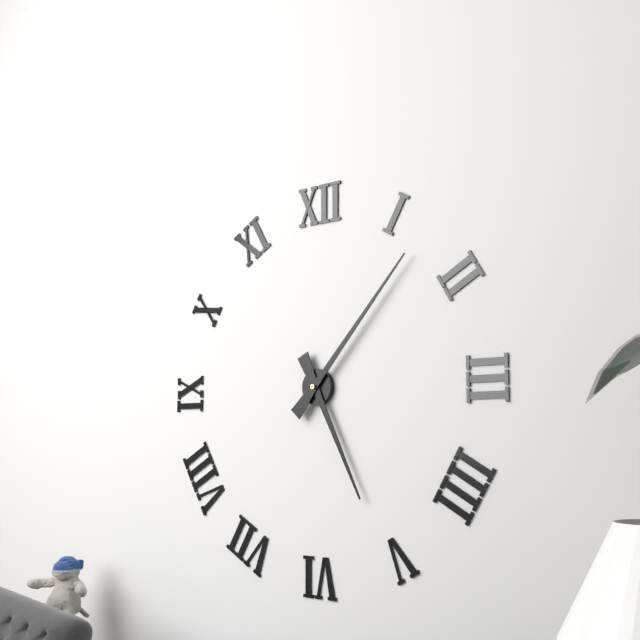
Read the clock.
5:07
